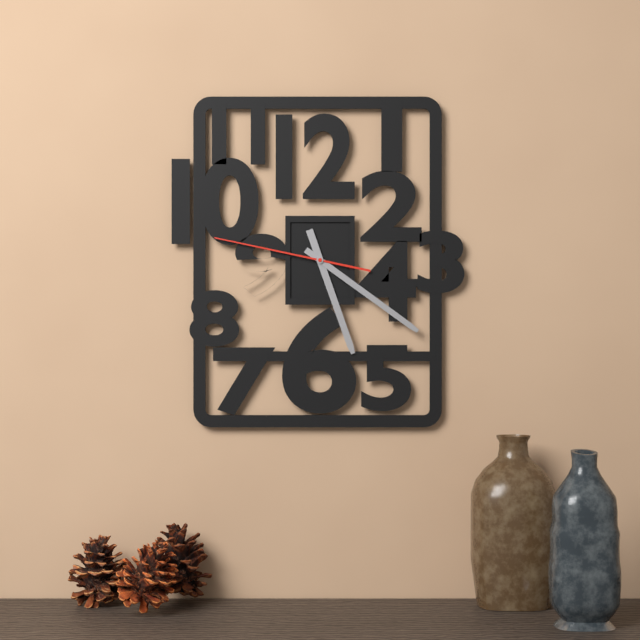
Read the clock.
5:21:47
